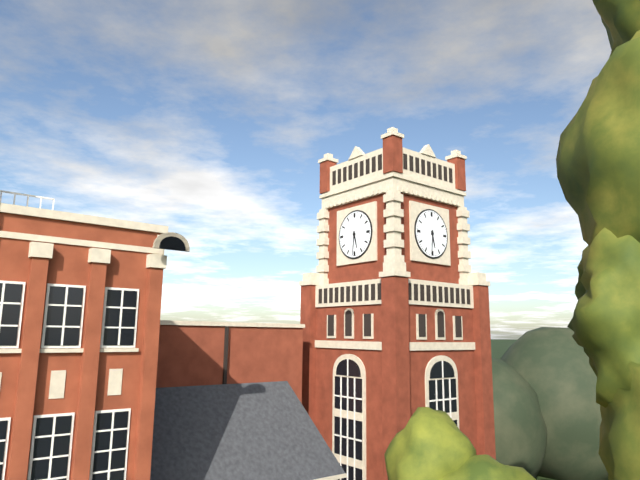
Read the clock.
5:31
